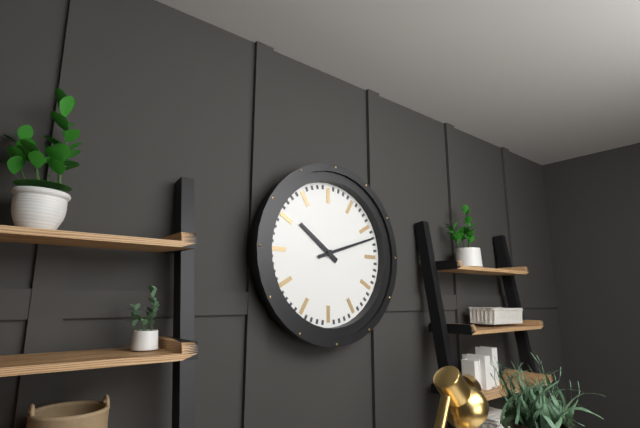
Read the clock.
10:12
